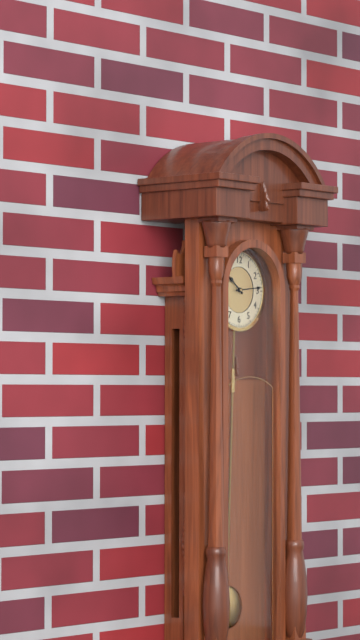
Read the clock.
10:14
